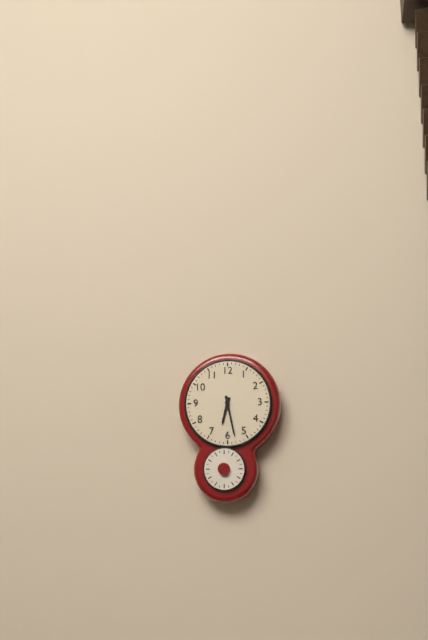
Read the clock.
6:28
